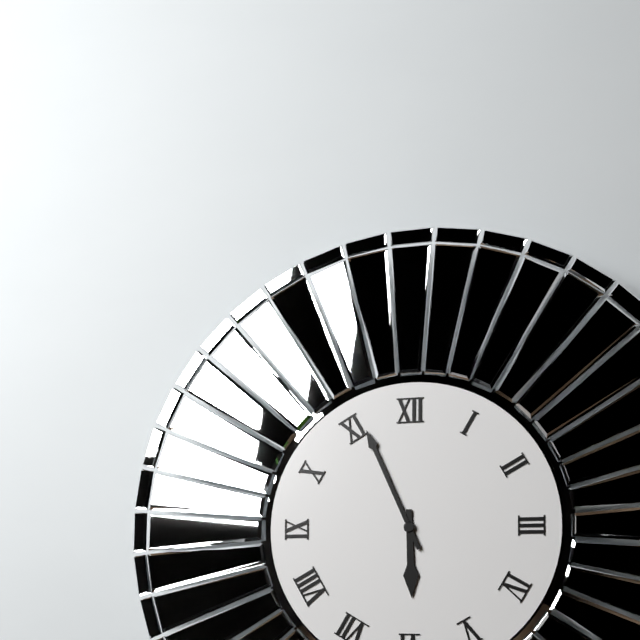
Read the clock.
5:56
